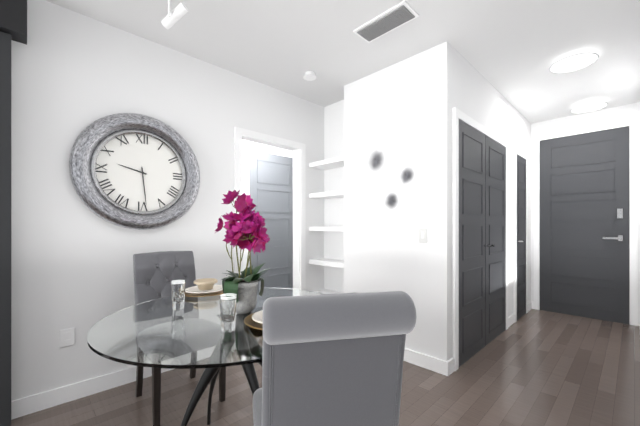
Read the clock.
9:29
